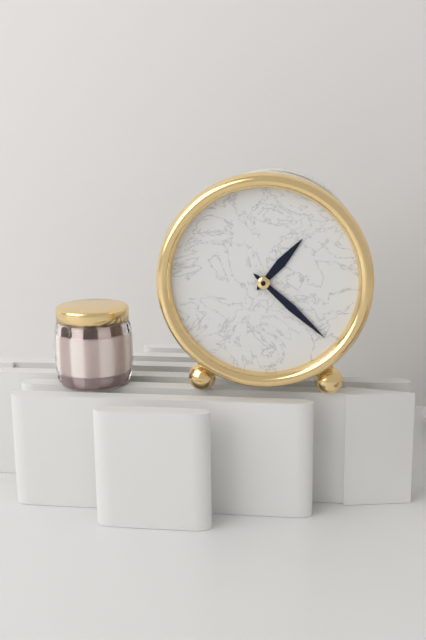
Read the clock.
1:22
